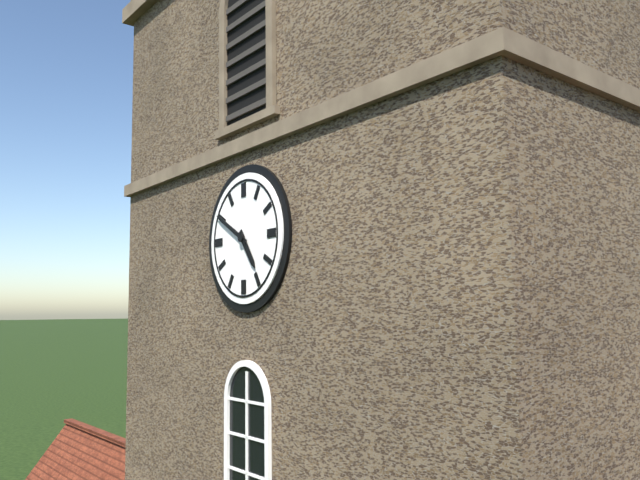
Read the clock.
4:50
